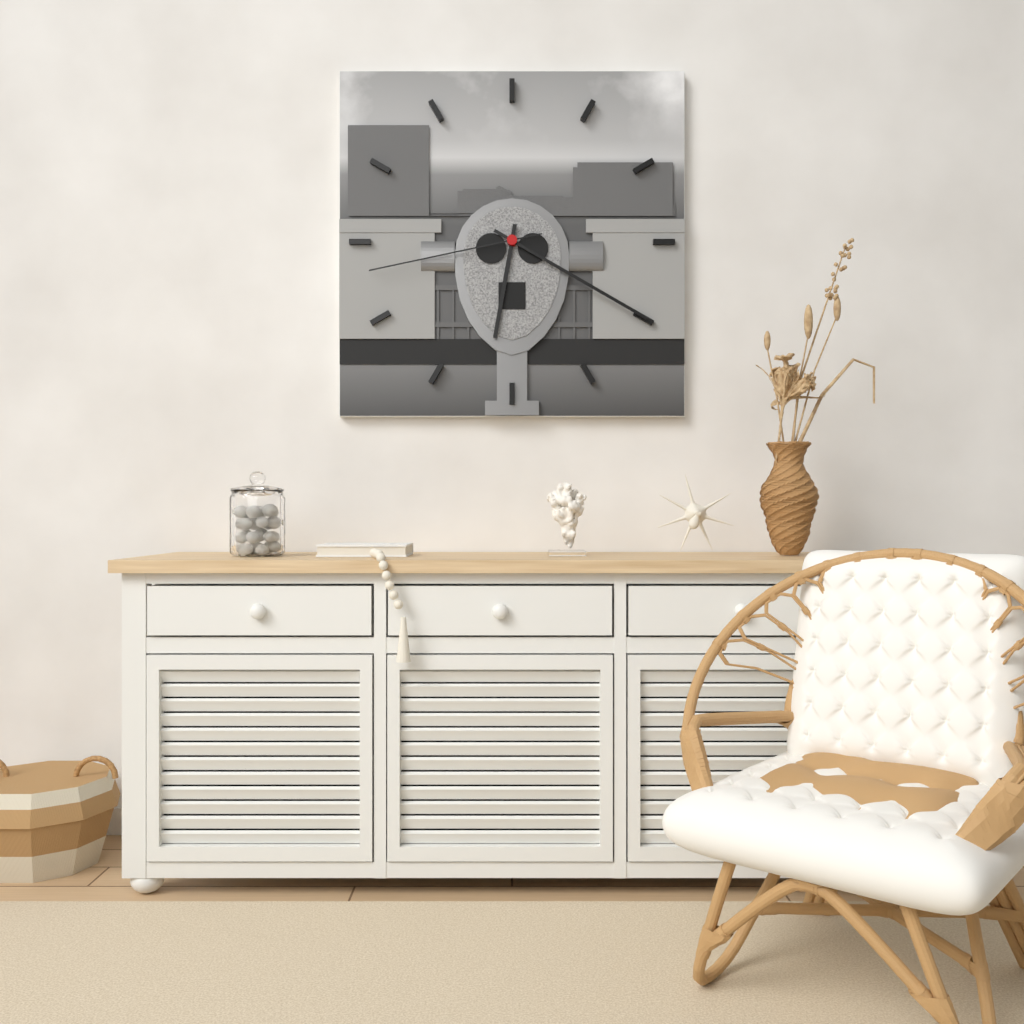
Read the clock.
6:20:43
